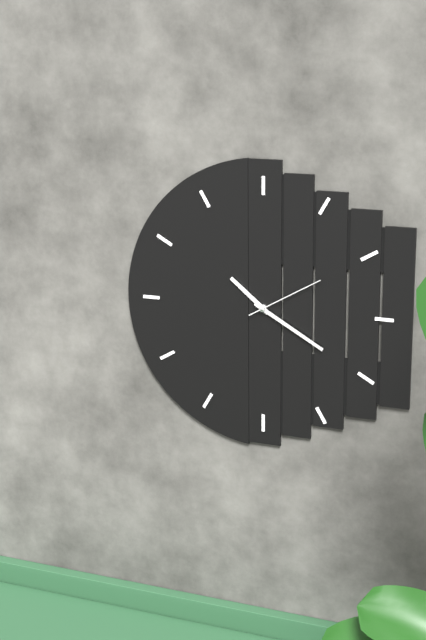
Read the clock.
10:20:10
